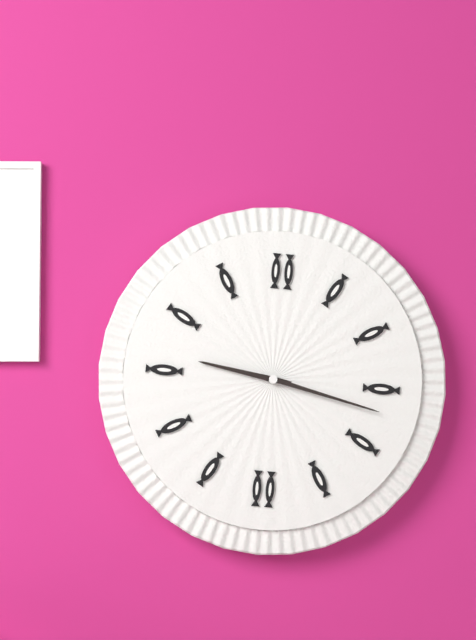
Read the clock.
9:17
